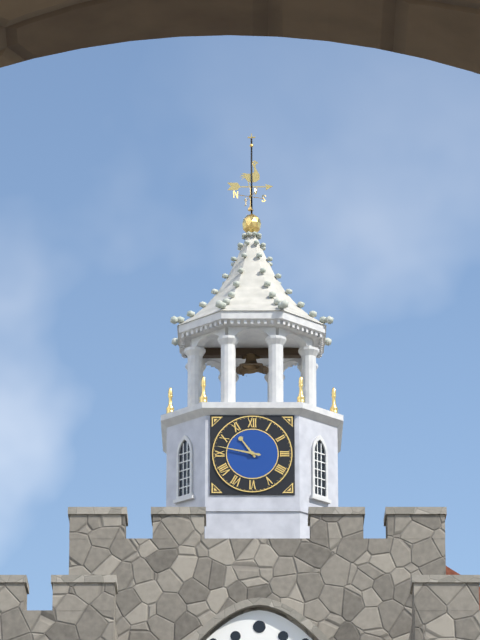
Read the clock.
10:47
